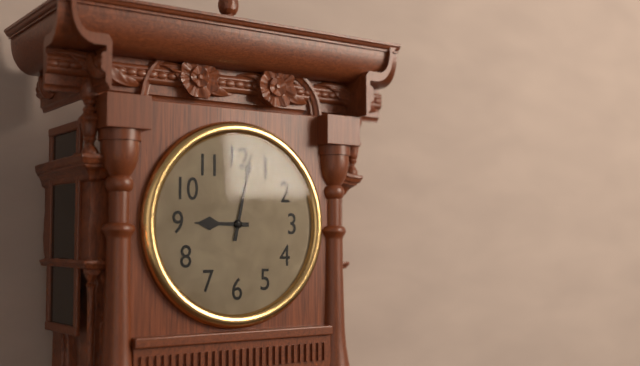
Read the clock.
9:02
